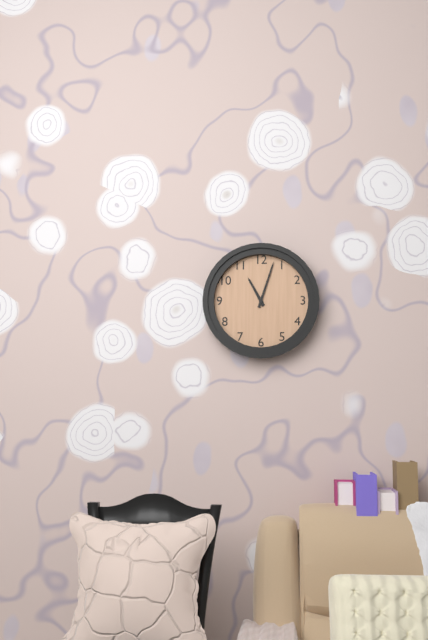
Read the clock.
11:03
